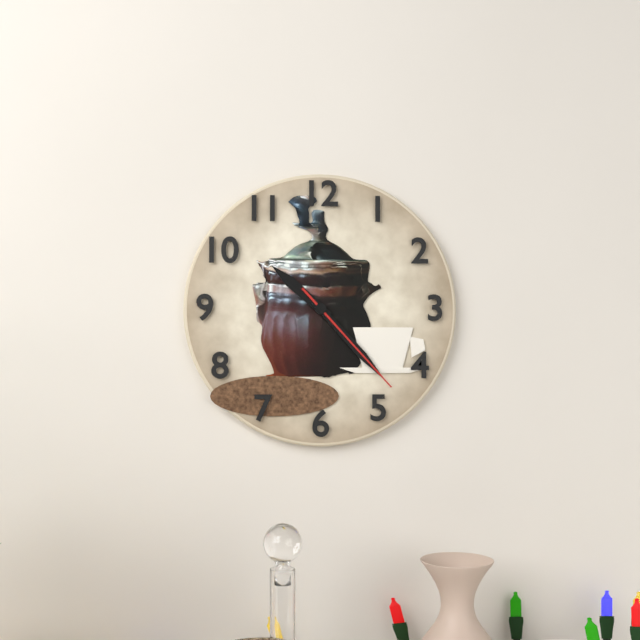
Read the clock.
10:23:23
